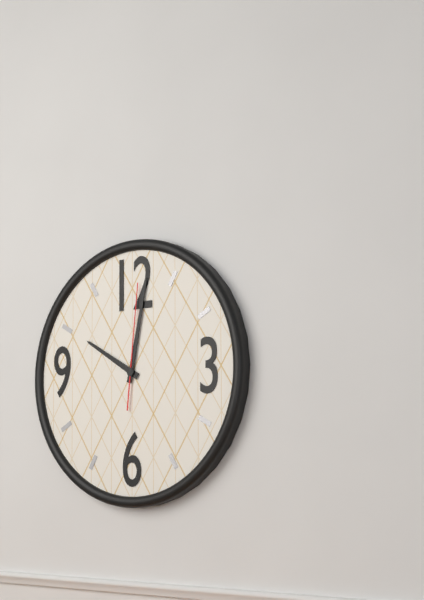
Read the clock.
10:02:01
